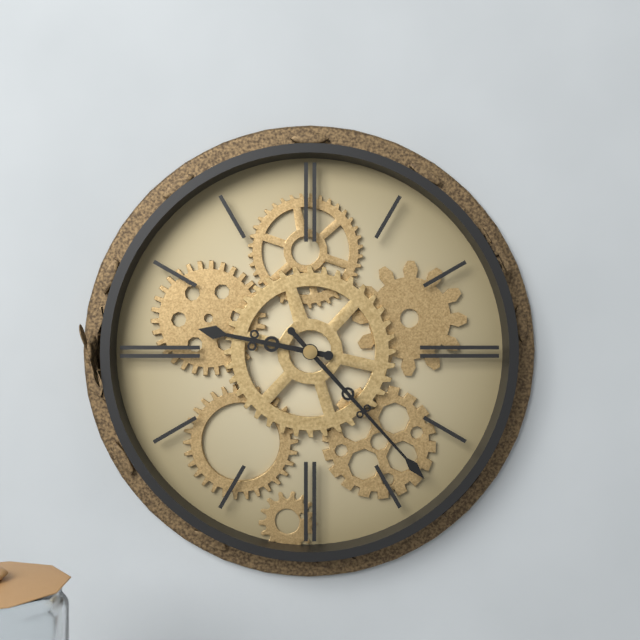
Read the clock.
9:23
